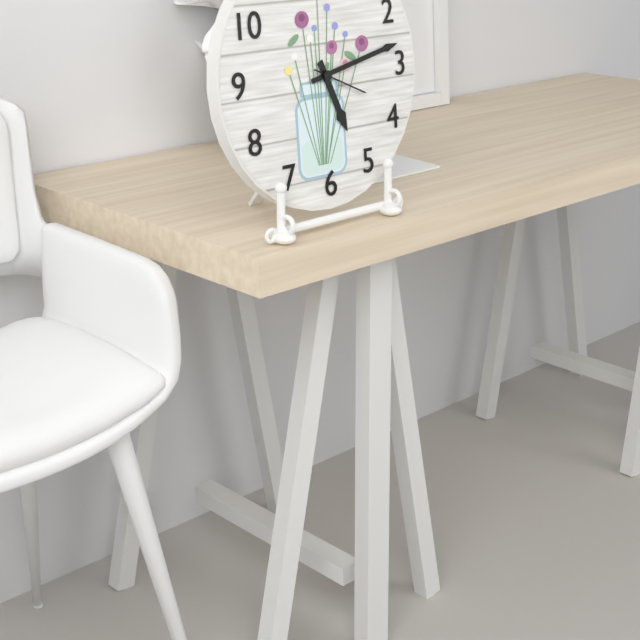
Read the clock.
5:13:19
